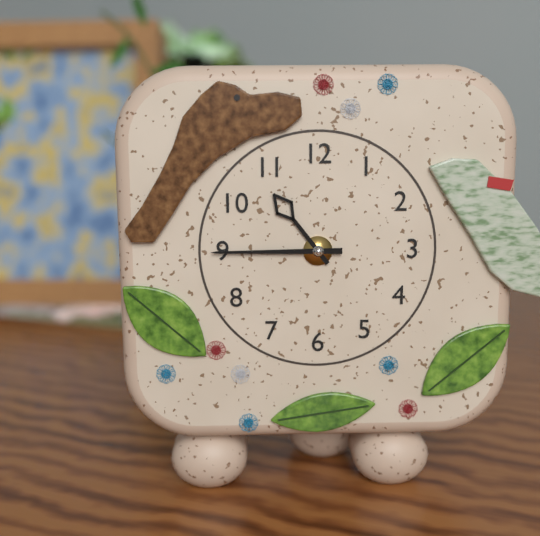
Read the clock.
10:45
